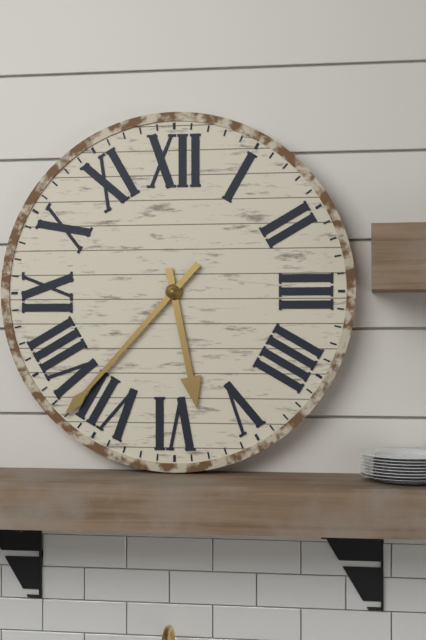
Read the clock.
5:37
